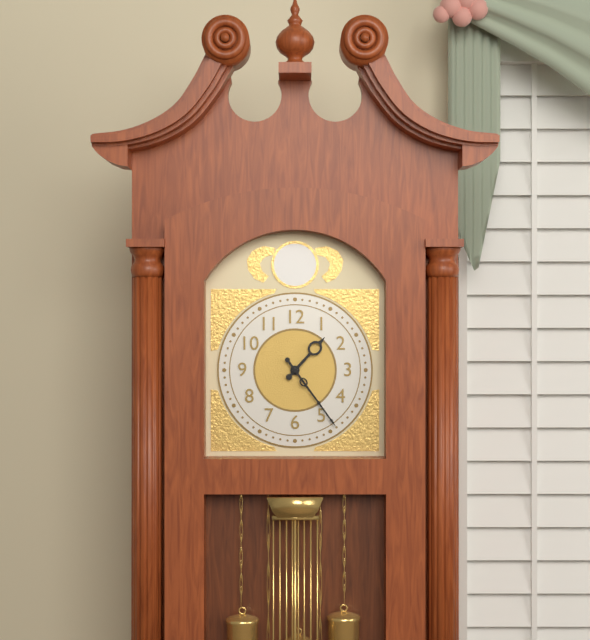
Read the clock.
1:24
